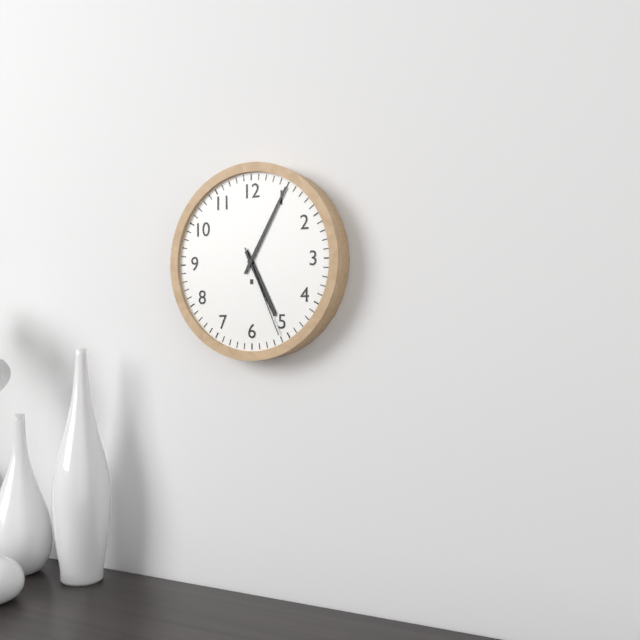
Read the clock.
5:05:26
